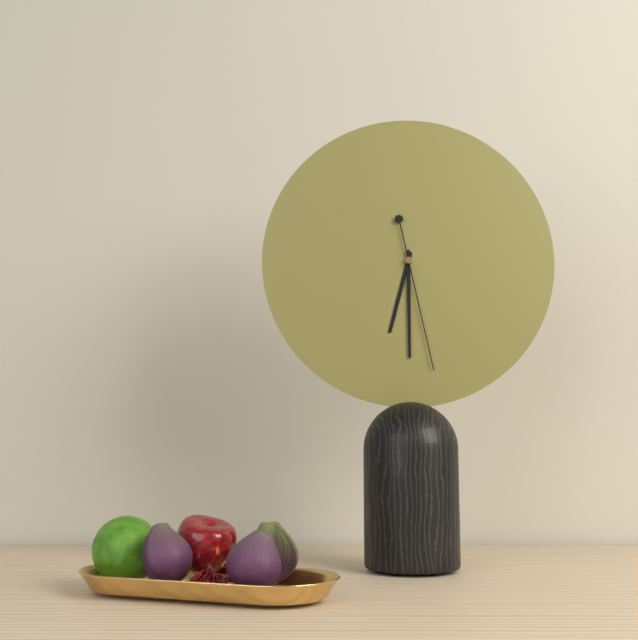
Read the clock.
6:30:28
